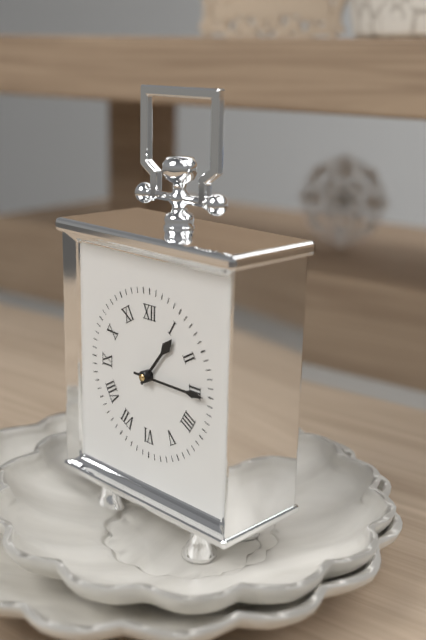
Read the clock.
1:15
